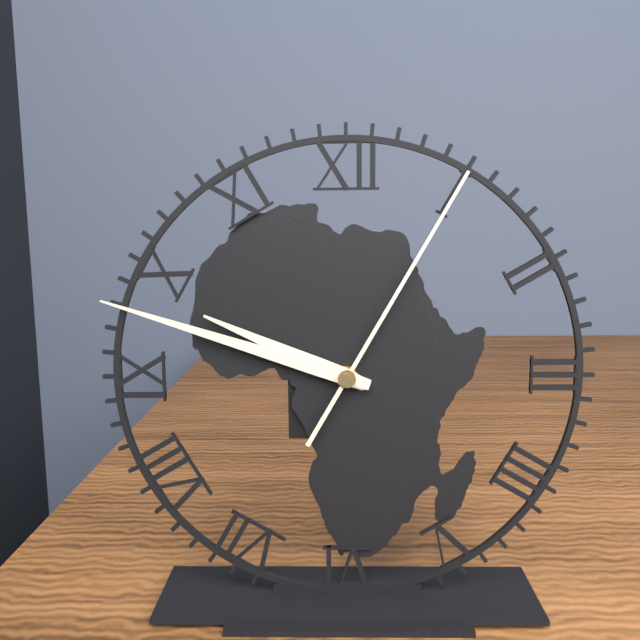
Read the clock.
9:48:05
